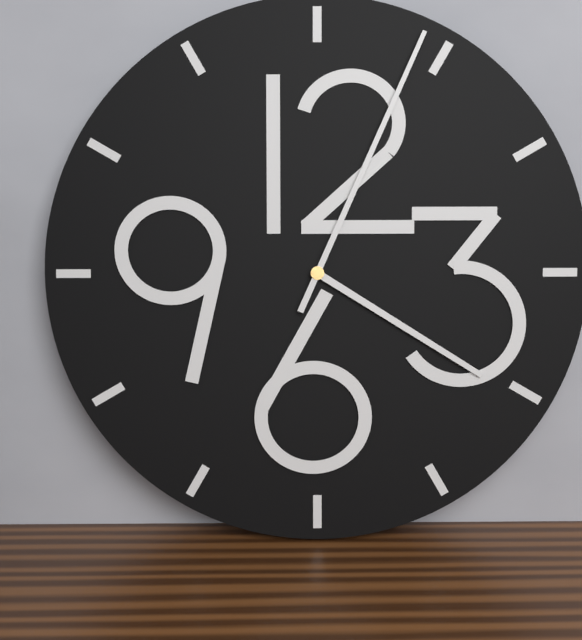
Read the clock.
4:04
